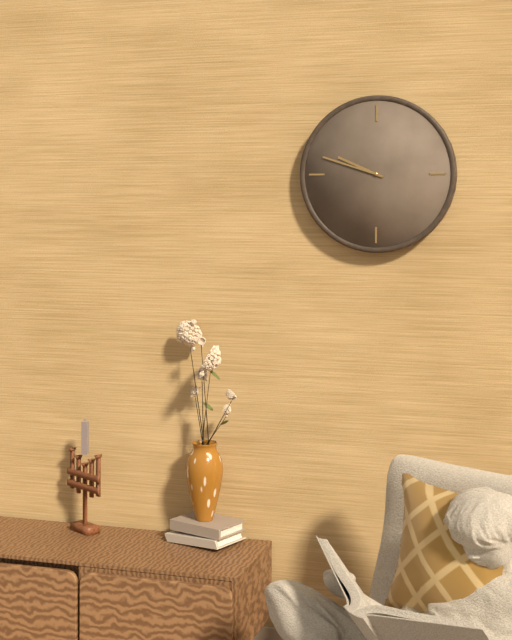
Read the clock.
9:48
